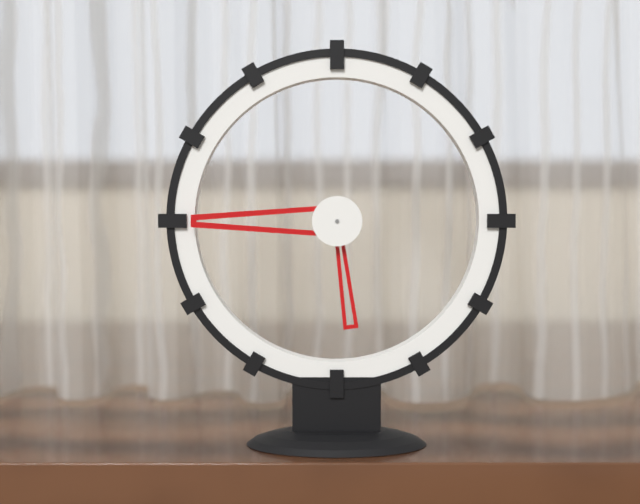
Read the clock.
5:45
